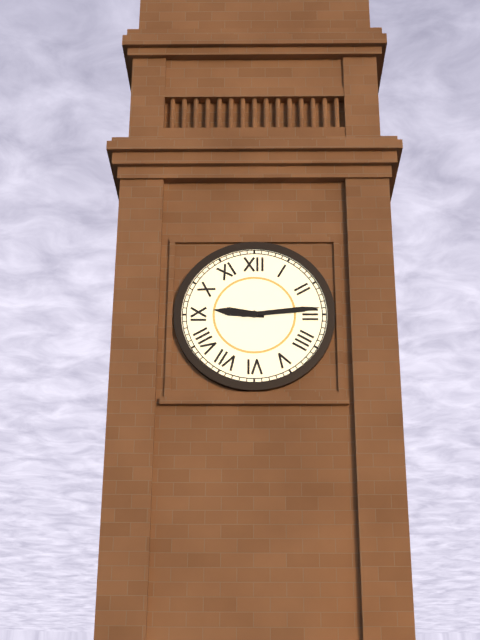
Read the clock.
9:14
